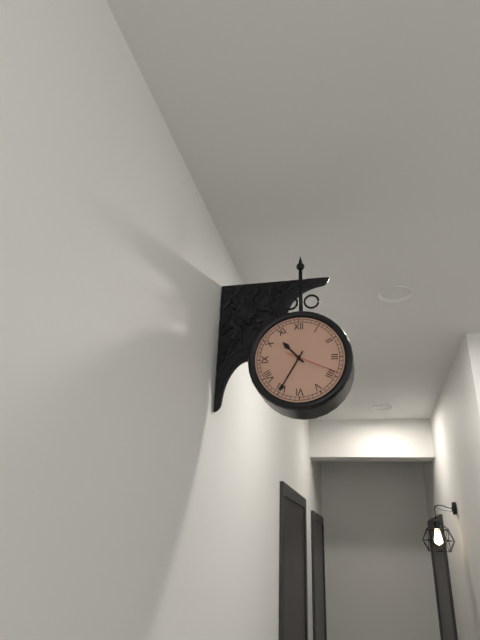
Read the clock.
10:35
